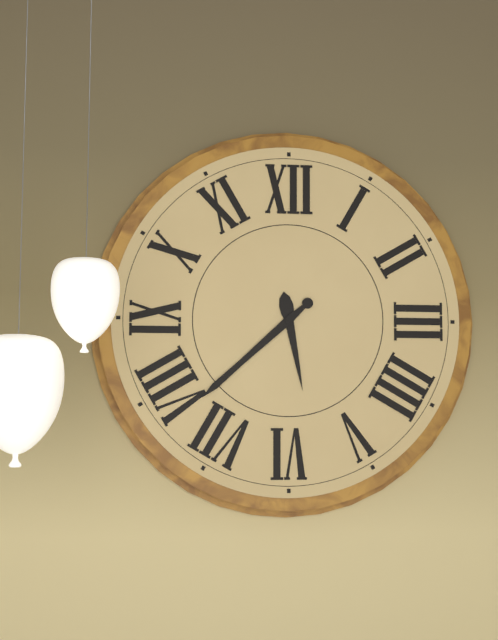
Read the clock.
5:38
